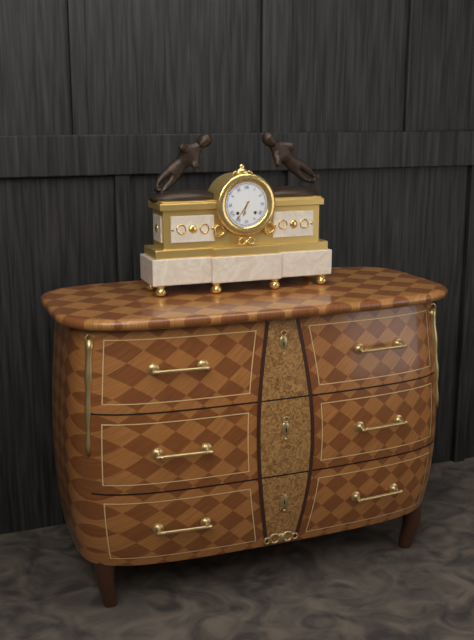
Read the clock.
6:36
